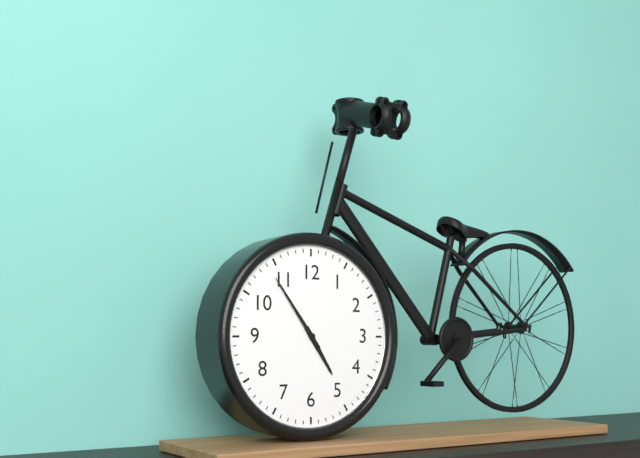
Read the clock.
4:54
